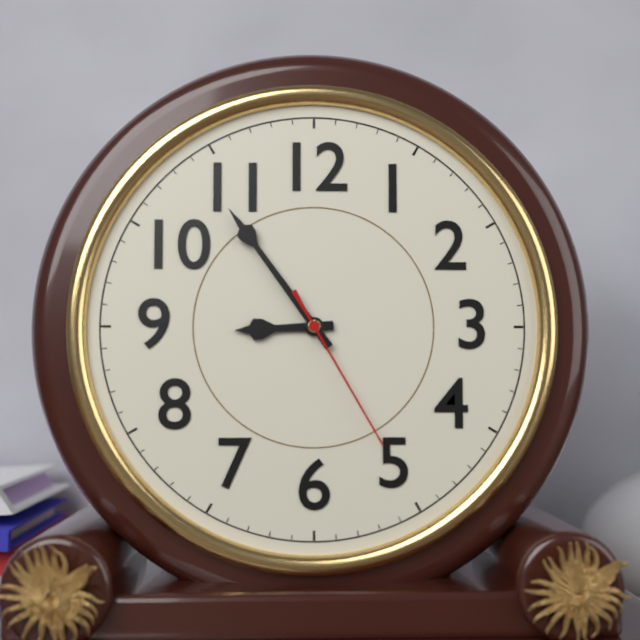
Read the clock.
8:54:25
